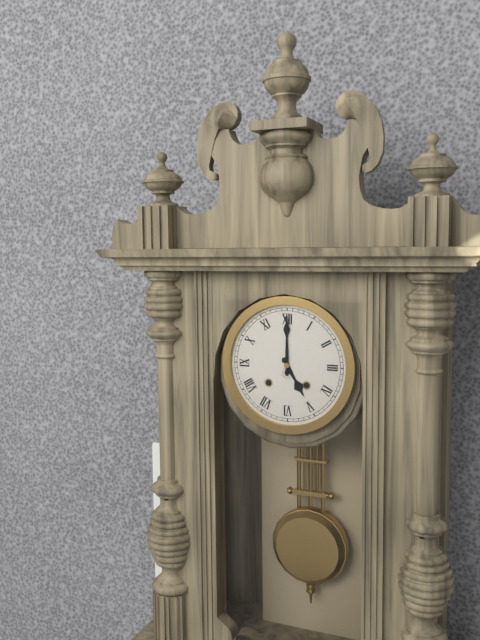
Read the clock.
5:00
